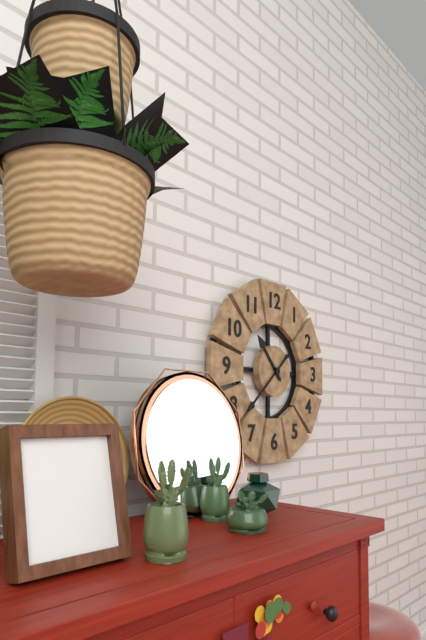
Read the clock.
10:38
